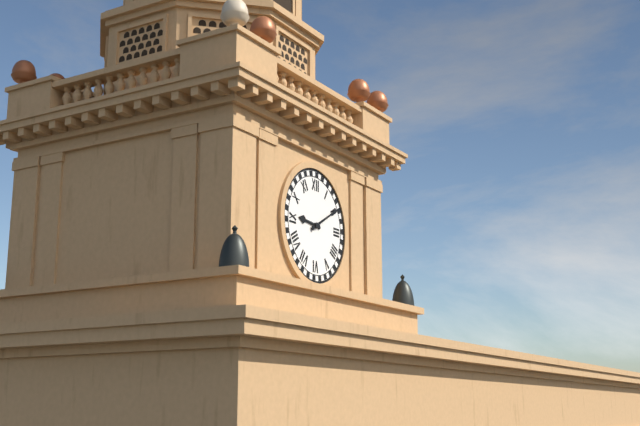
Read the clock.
9:10
